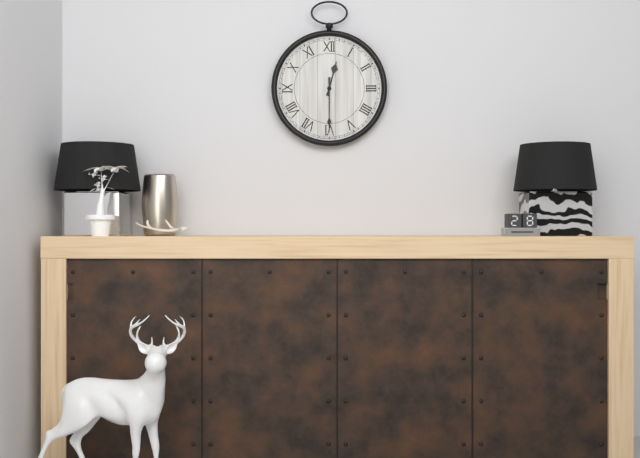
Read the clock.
12:30
